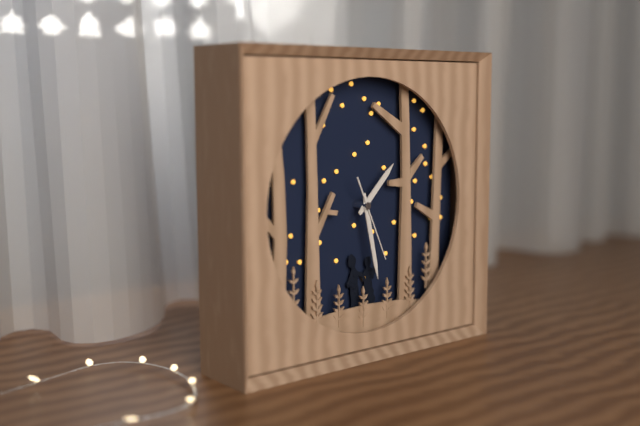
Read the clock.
1:28:26
